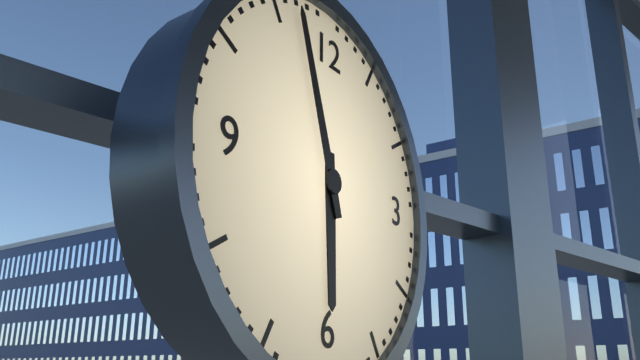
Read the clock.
5:57
